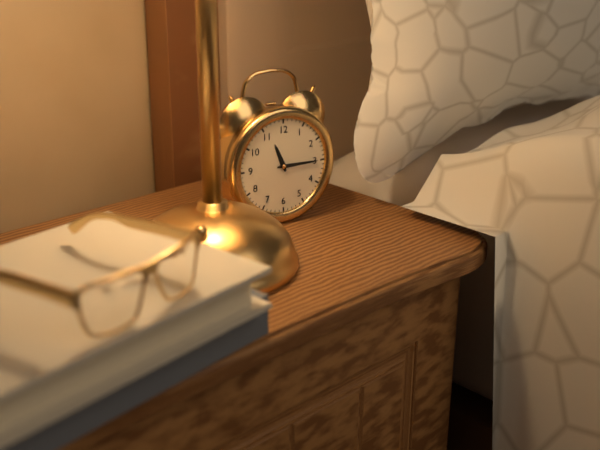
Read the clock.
11:15
